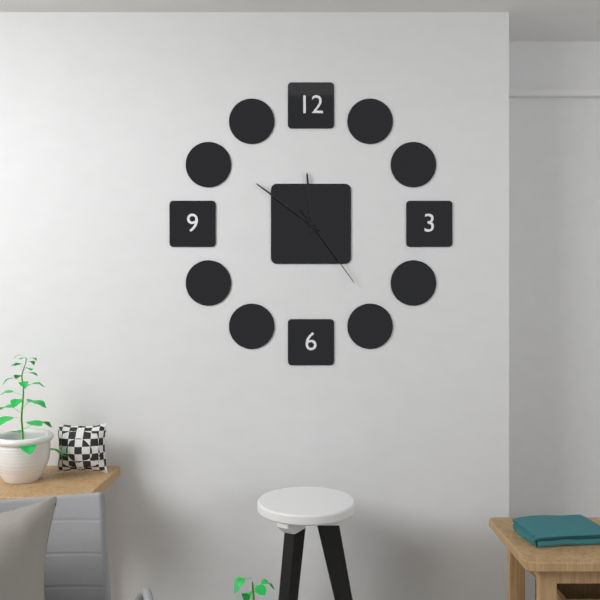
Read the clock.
11:51:24
